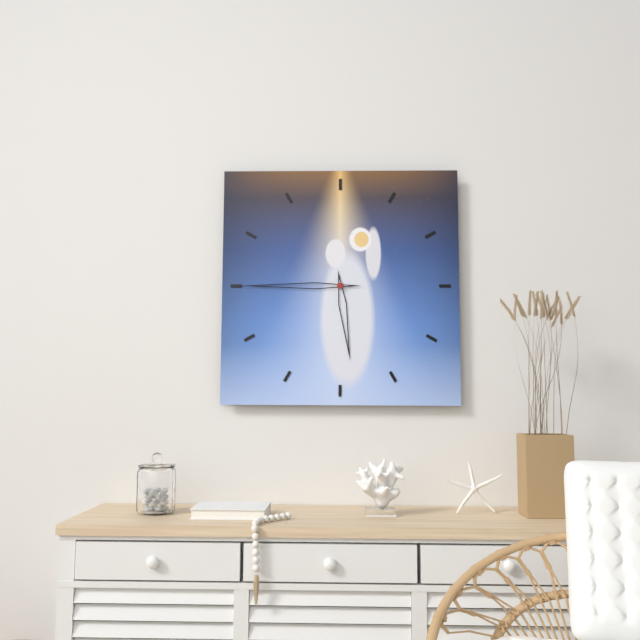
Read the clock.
5:45
